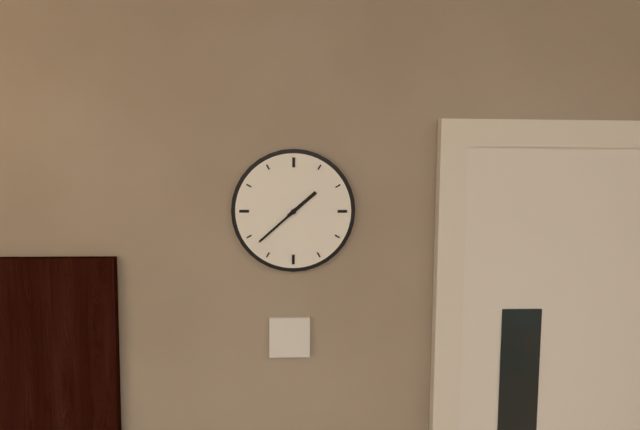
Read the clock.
1:38
